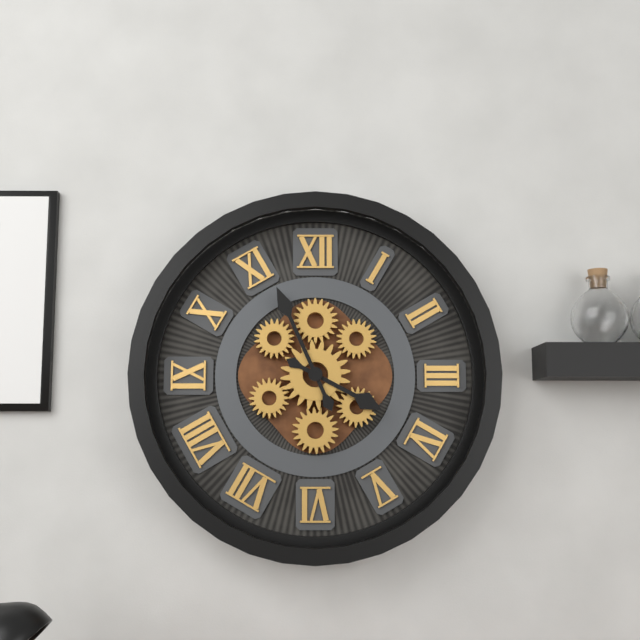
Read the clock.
3:56
